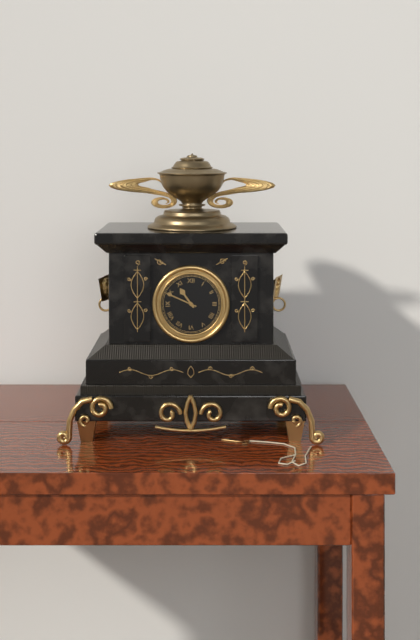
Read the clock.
10:49
